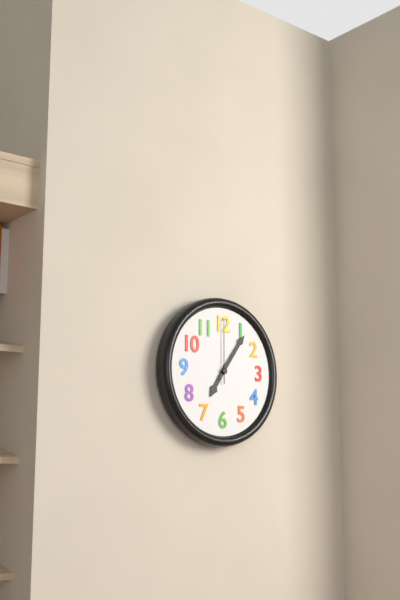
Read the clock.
7:06:00
